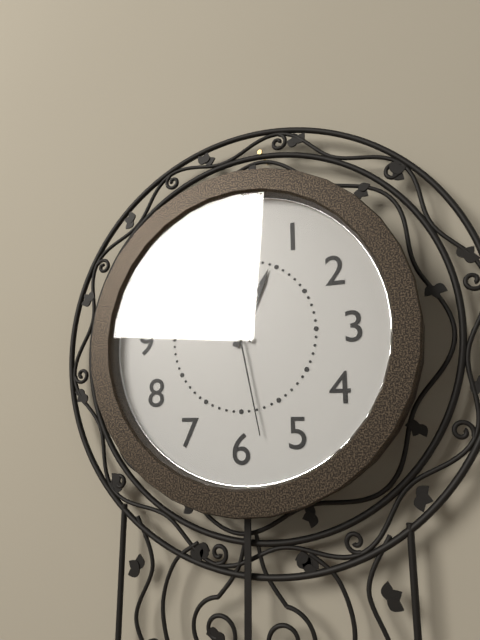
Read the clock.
12:50:28
